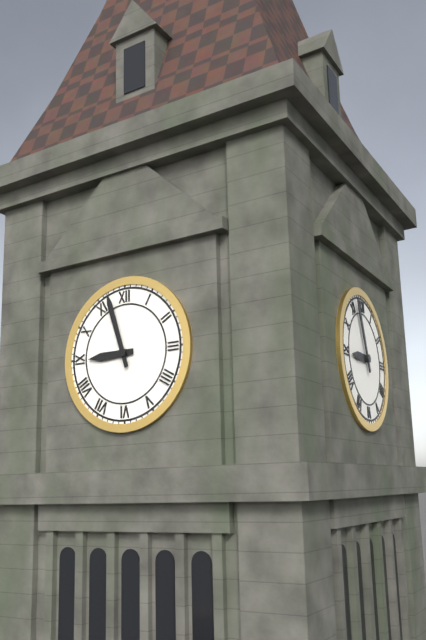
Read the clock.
8:57
